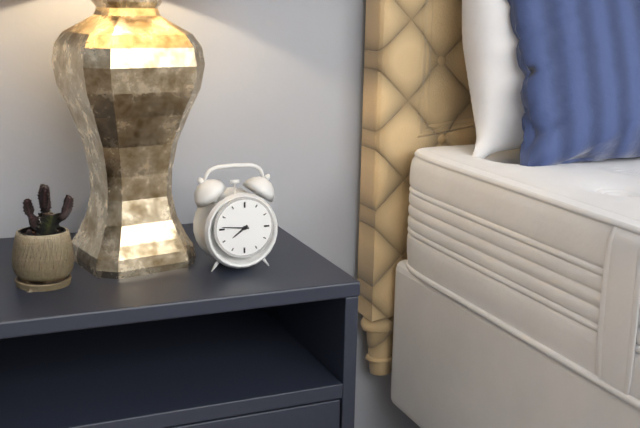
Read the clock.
7:46
